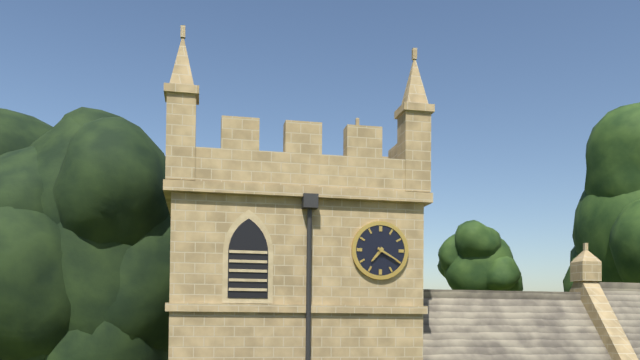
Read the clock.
7:20
